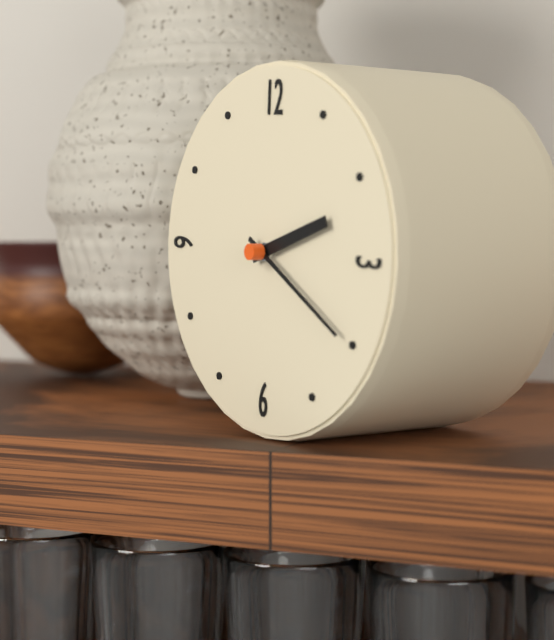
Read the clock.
2:20
